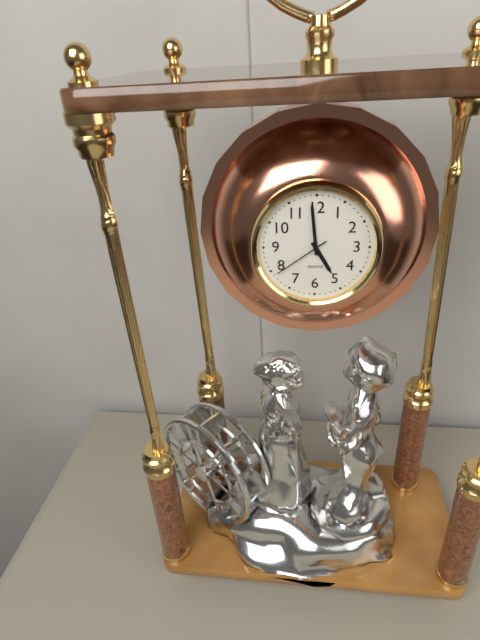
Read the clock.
4:59:39
